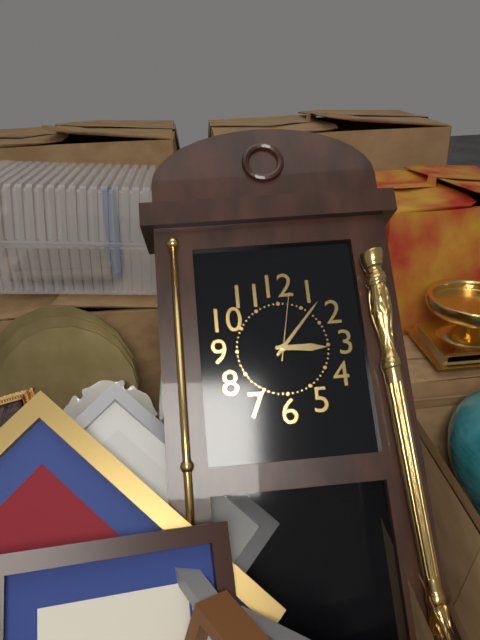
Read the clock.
3:07:02
